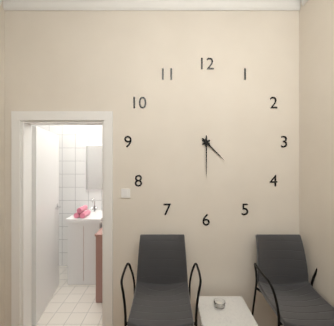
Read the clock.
4:30
